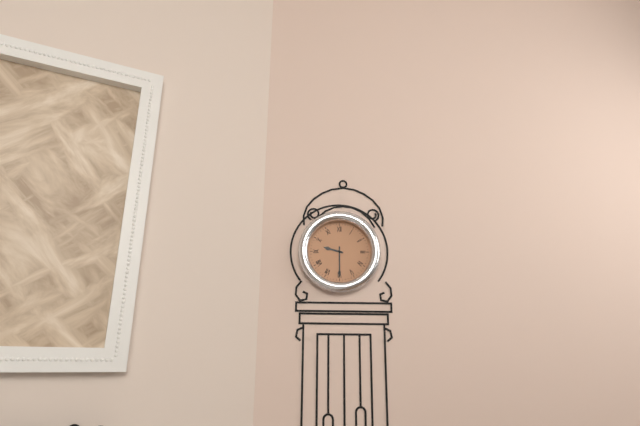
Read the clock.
9:30
